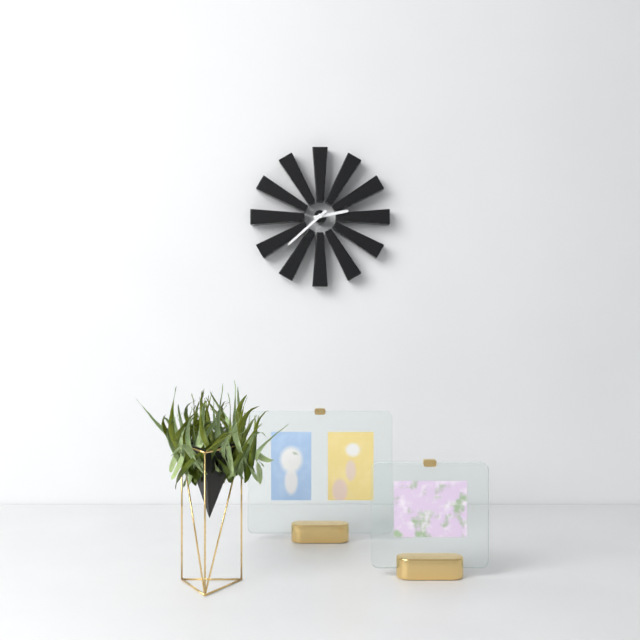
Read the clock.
2:38
